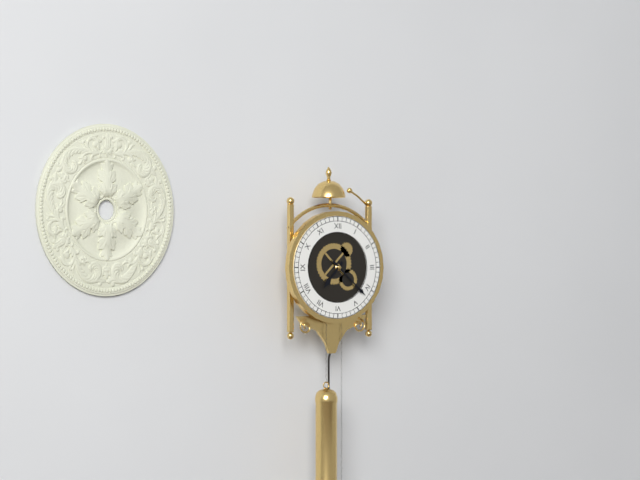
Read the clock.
7:22
